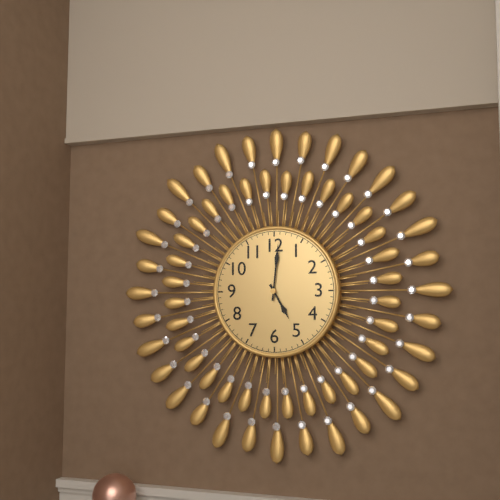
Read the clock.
5:01
